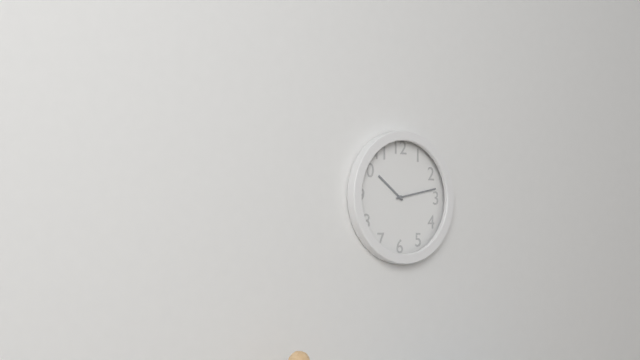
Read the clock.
10:13
